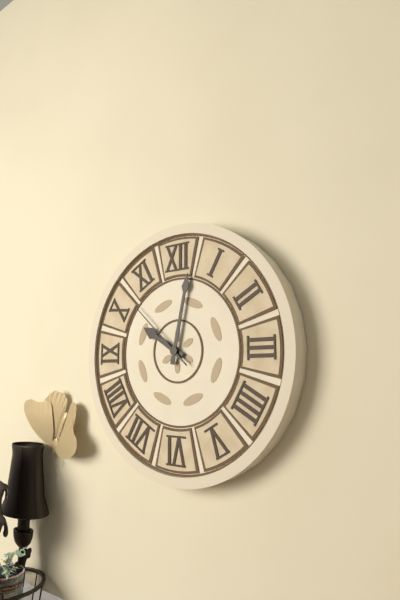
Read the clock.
10:02:52
